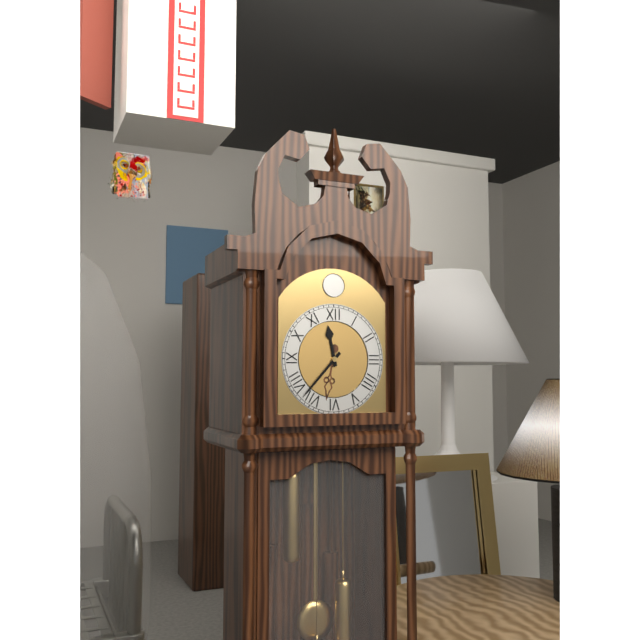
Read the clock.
11:37
